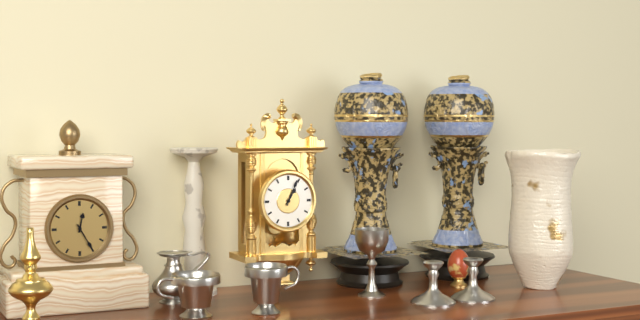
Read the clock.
1:04
